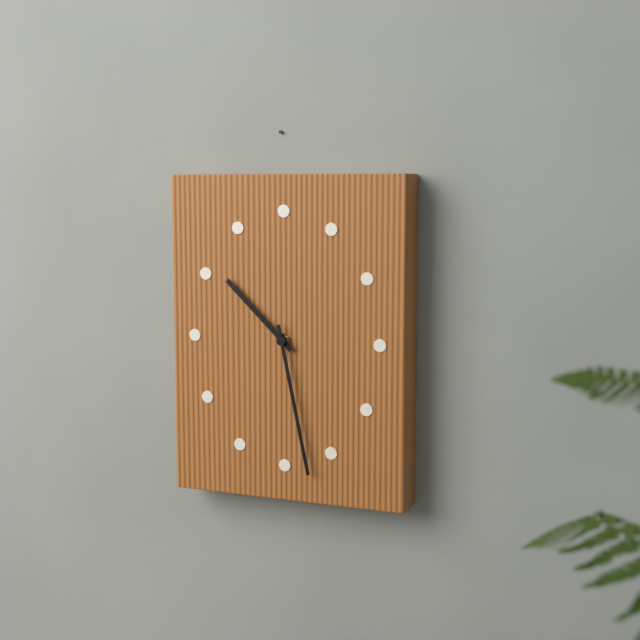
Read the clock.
10:28
